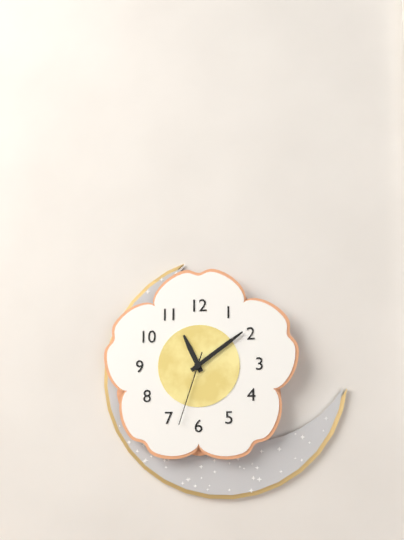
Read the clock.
11:09:33
